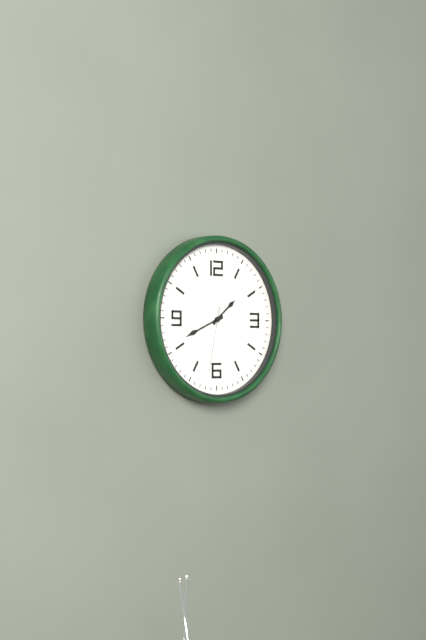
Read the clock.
1:41:32
